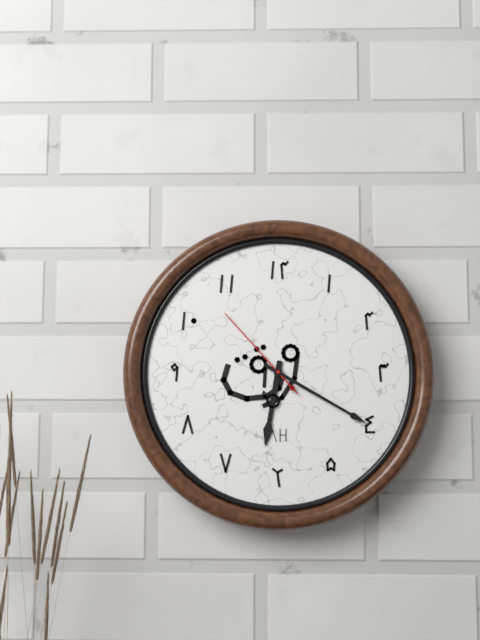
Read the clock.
6:20:53
